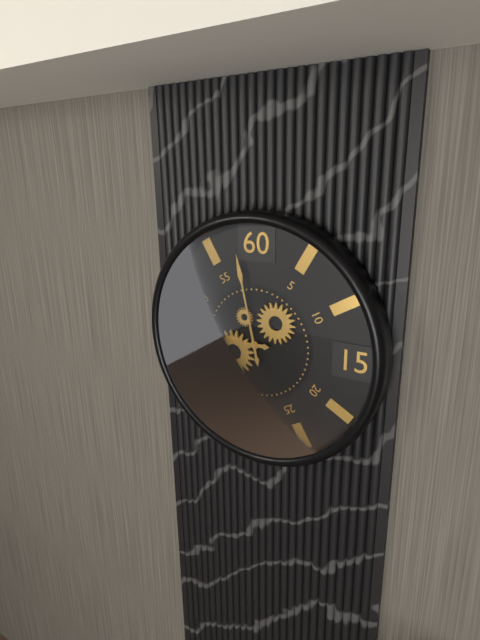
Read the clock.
8:58
